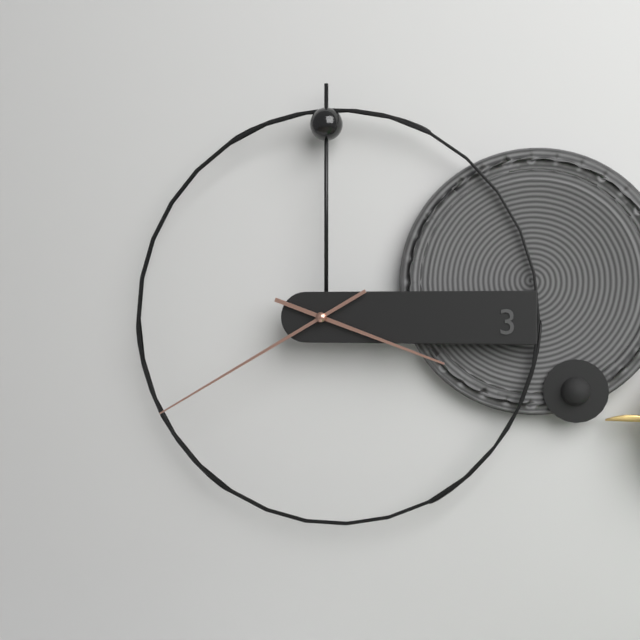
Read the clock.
3:40
